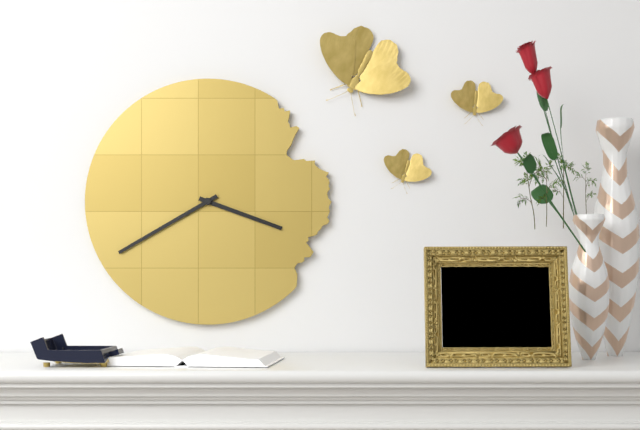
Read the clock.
3:40
